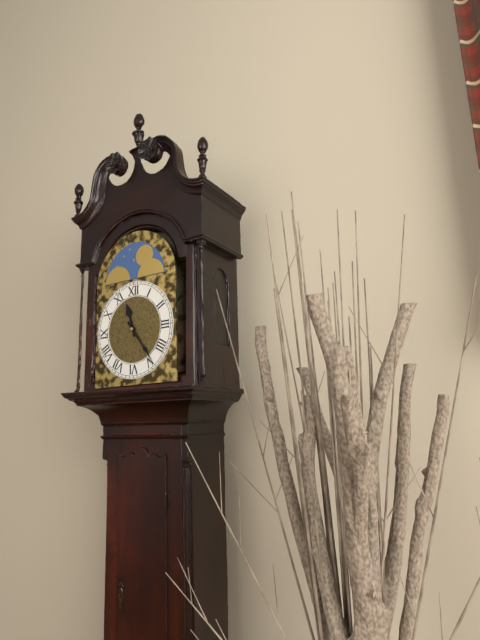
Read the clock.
11:24
